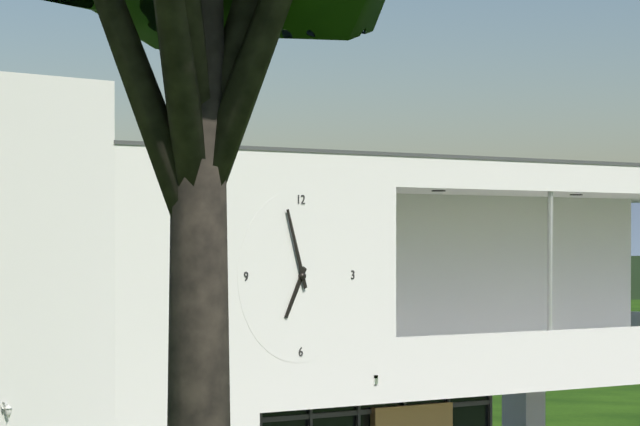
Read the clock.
6:57
